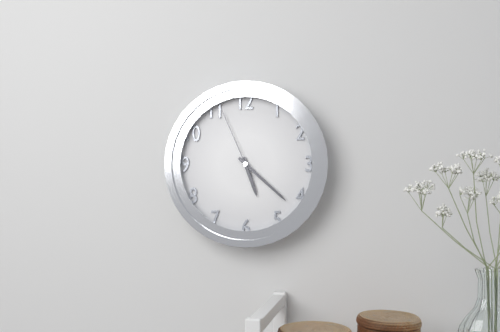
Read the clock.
5:22:56
